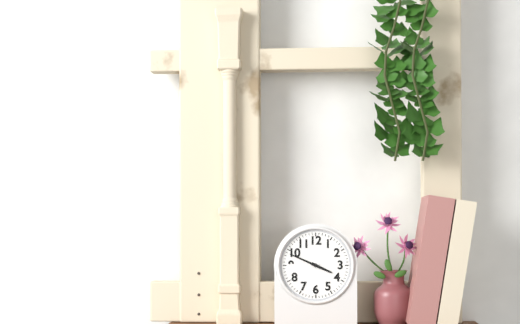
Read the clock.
3:49
